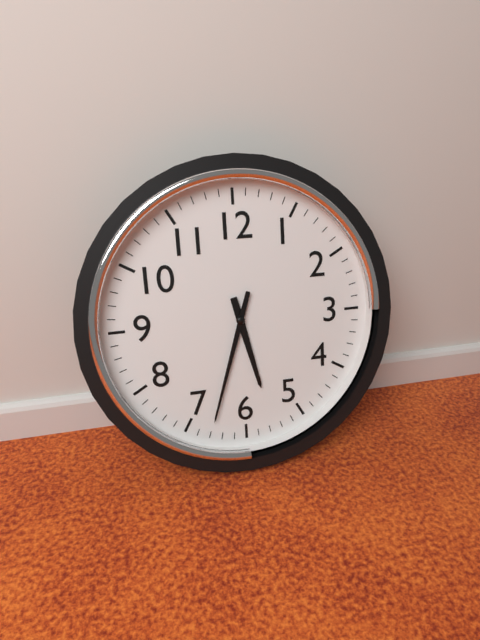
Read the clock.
5:33
